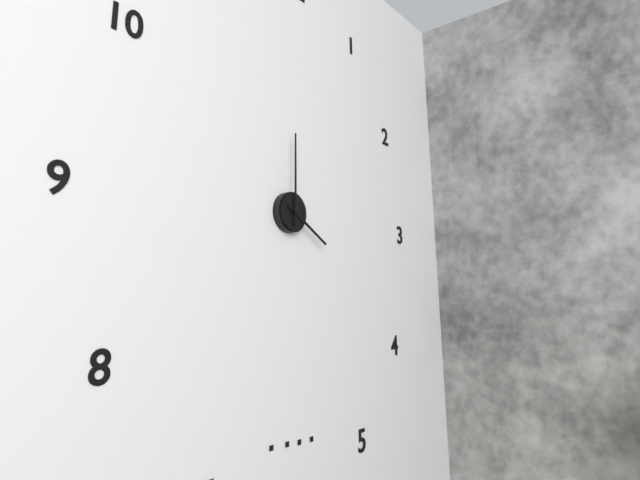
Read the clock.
4:00
